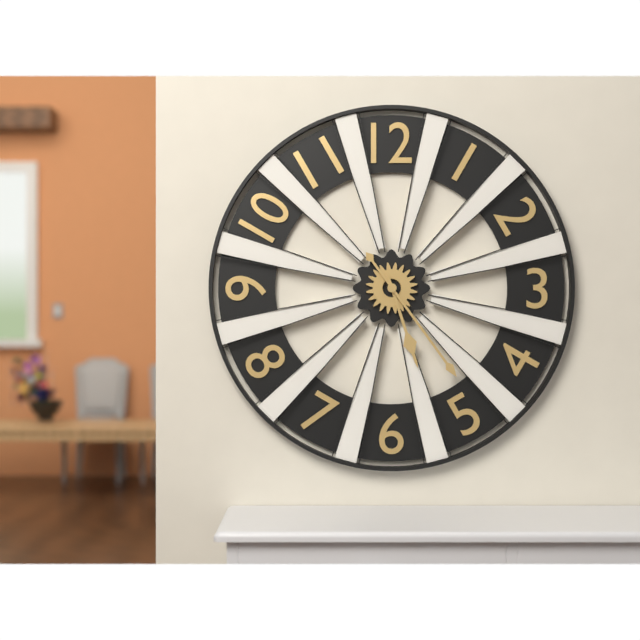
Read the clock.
5:24
